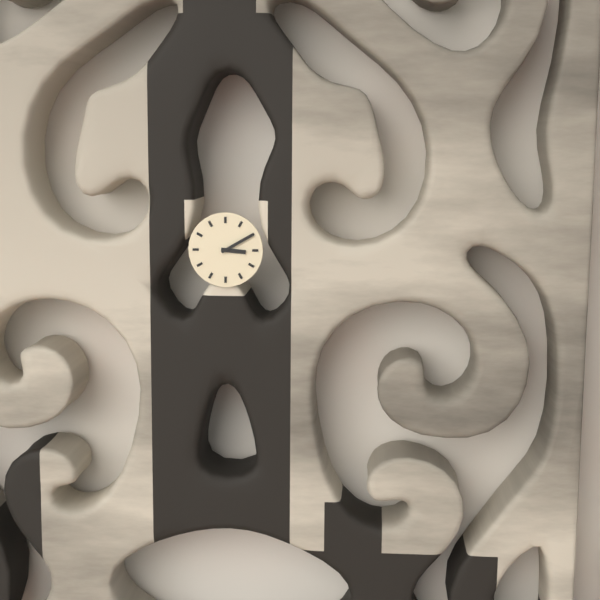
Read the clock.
3:10
